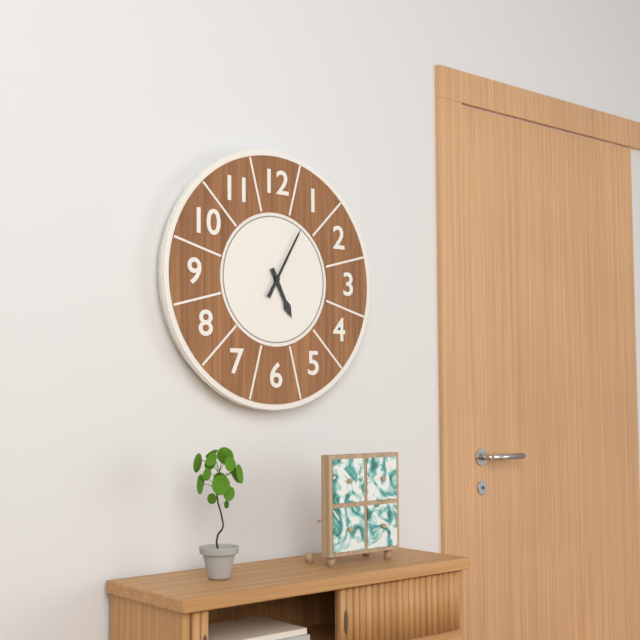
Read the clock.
5:05
